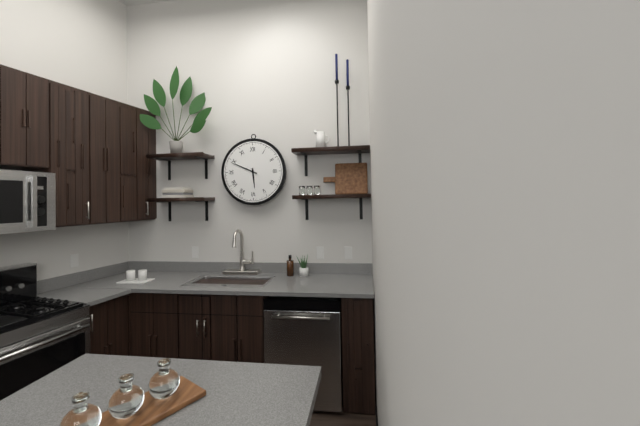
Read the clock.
5:49
